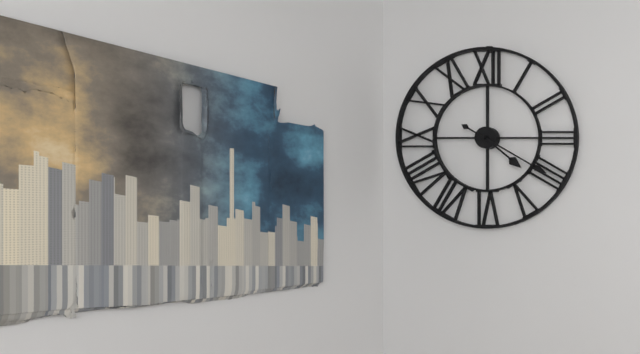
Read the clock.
4:20
